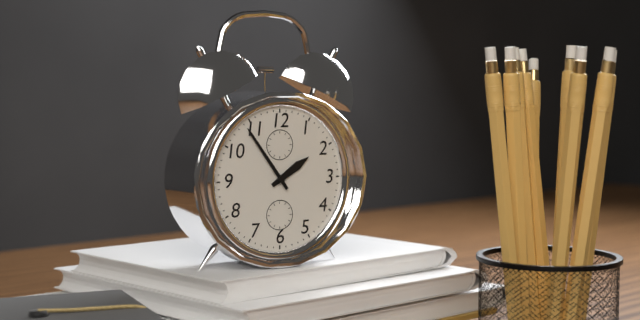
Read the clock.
1:54
